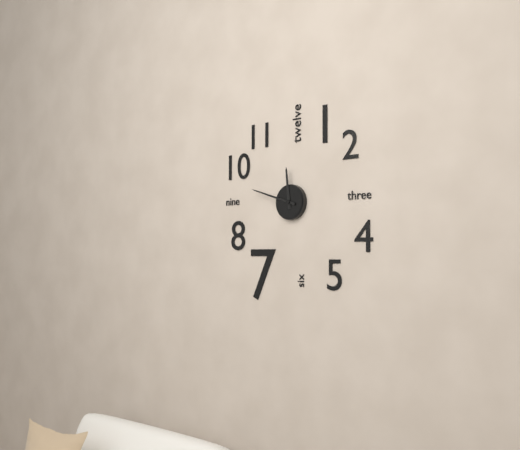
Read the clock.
11:48
